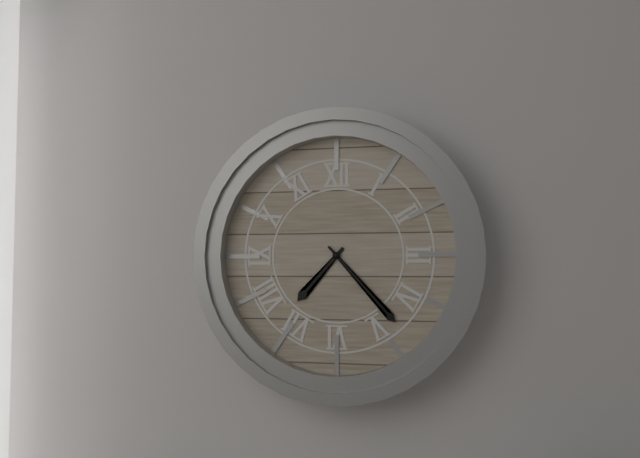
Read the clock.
7:23
